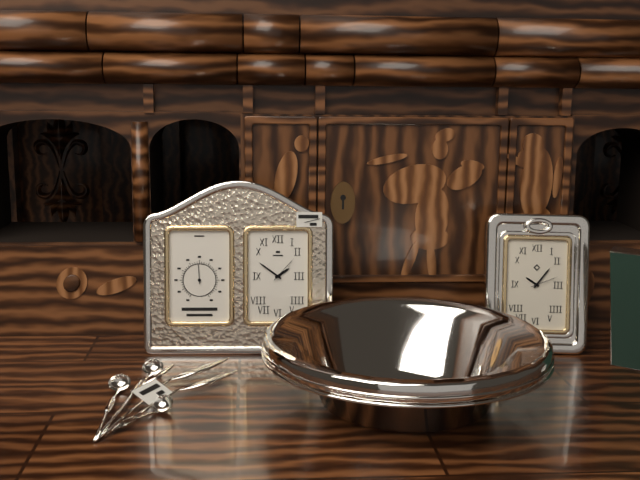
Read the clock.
1:51
